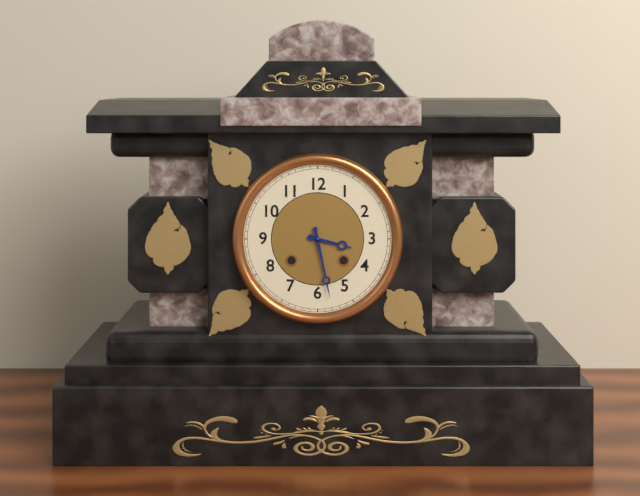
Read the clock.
3:28
